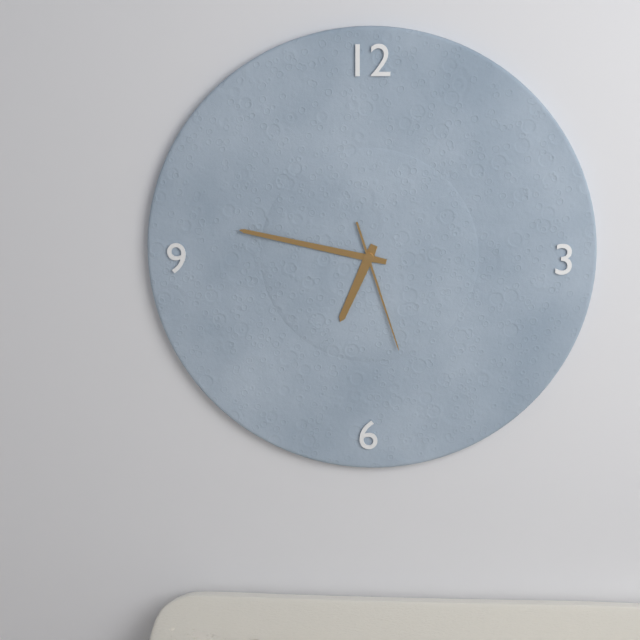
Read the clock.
6:47:27
